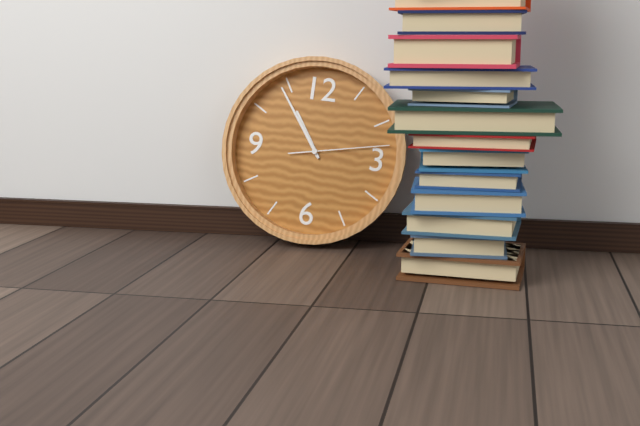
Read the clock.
10:54:13
